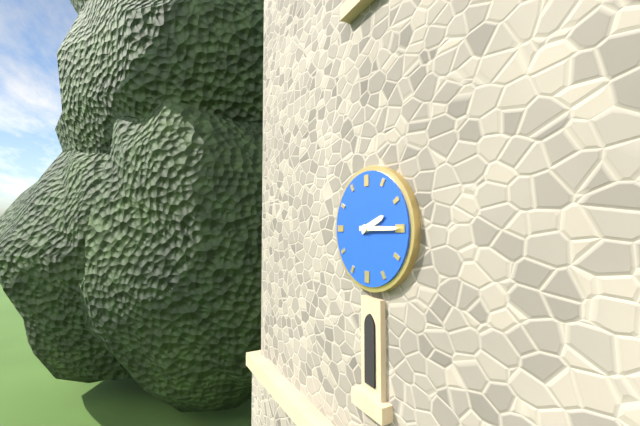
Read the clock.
2:15
